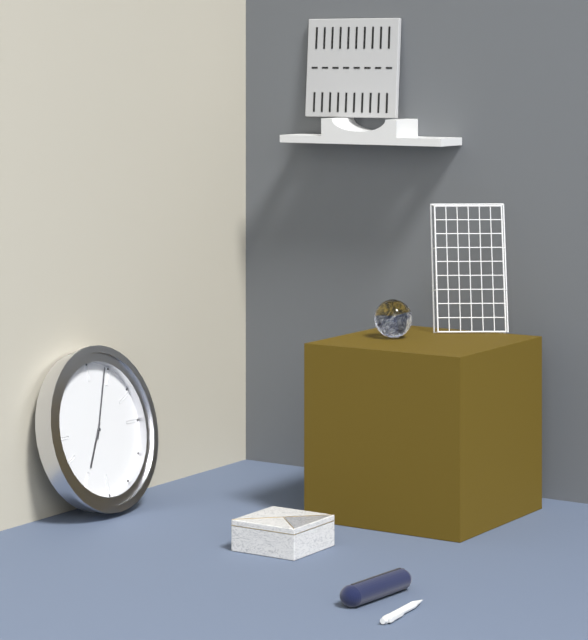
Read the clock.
7:04
